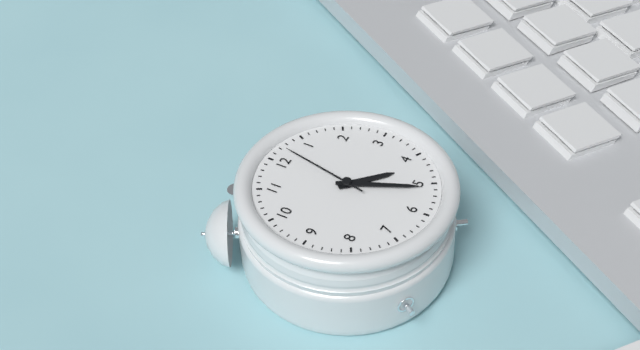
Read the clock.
4:26:02
